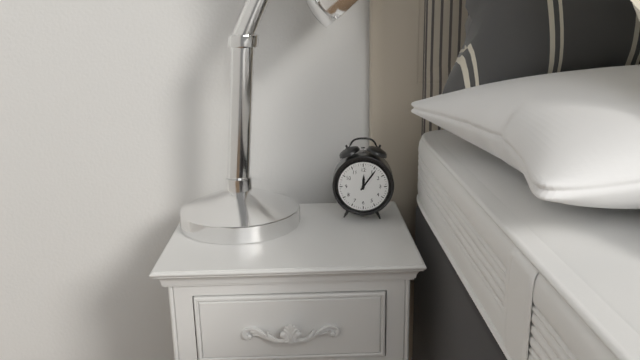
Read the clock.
12:06
